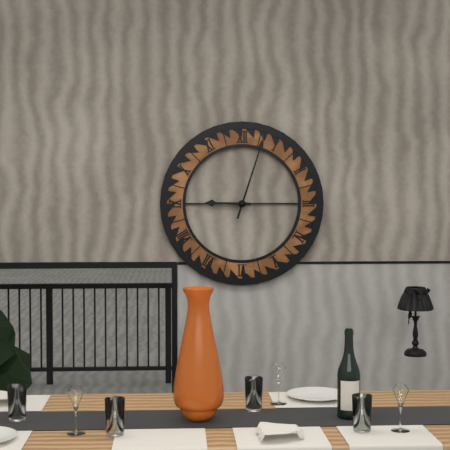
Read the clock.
9:03
